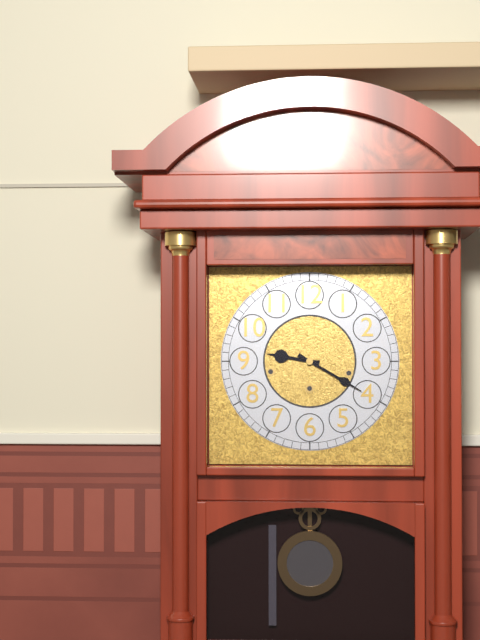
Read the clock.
9:20
